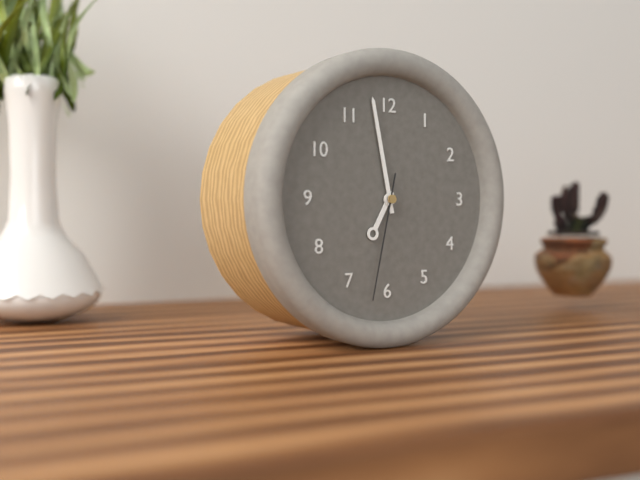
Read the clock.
6:58:32
